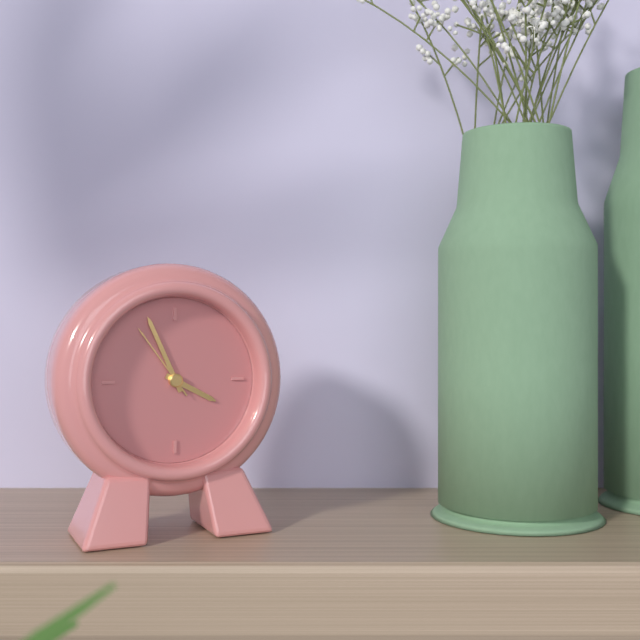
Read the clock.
3:56:54
